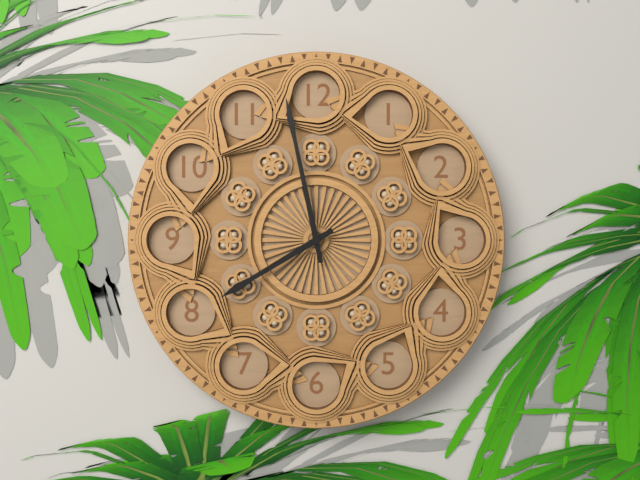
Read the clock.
7:58
